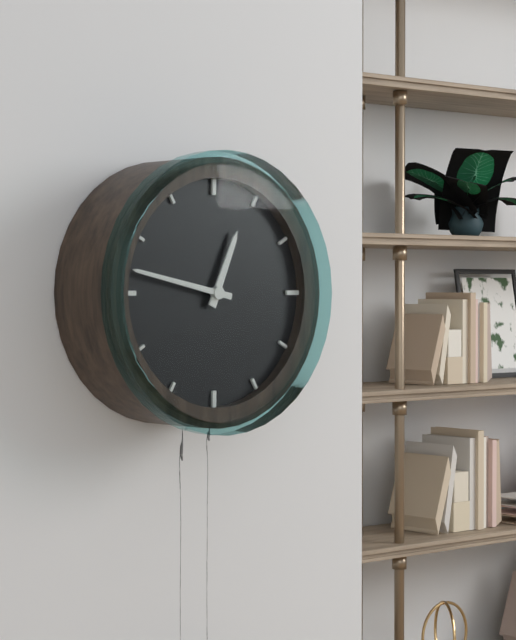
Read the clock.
12:47
